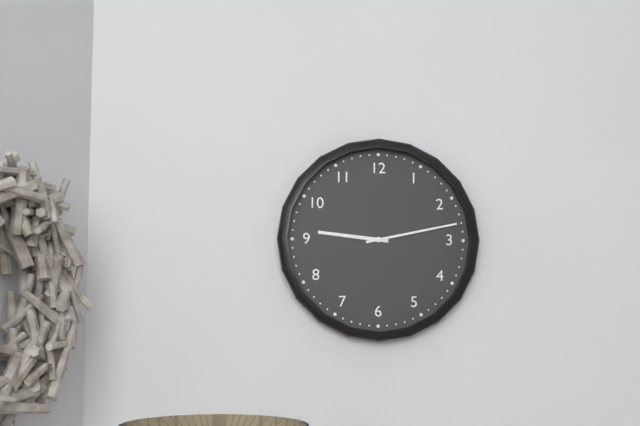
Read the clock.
9:13
